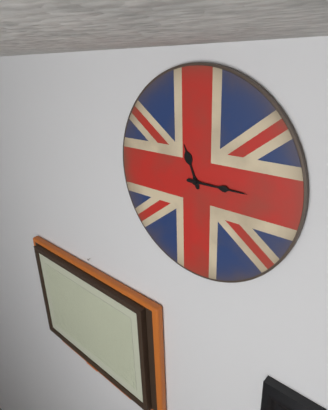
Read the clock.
11:15
